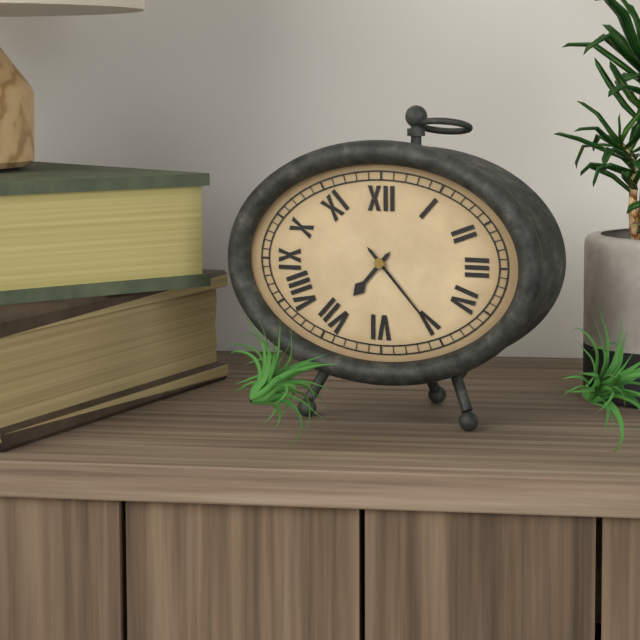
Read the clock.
7:23
